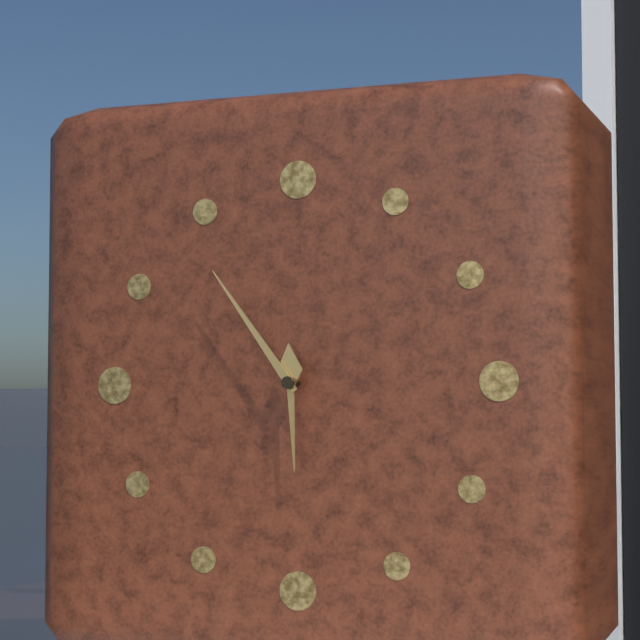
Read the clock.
5:54
